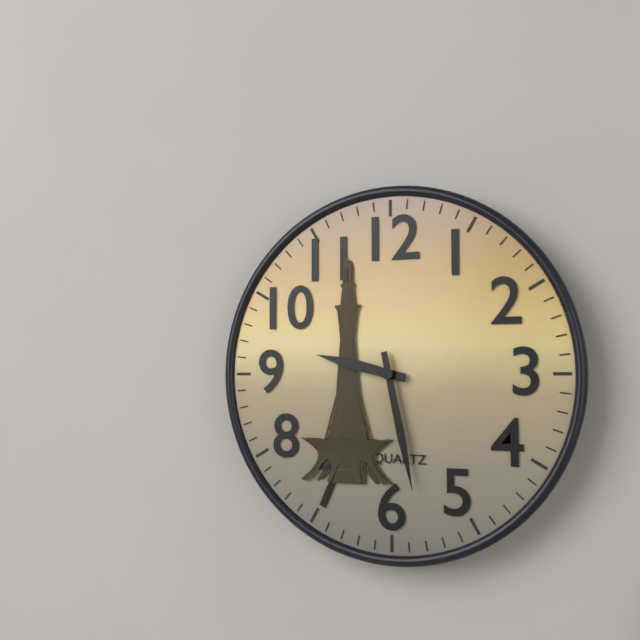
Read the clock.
9:28
